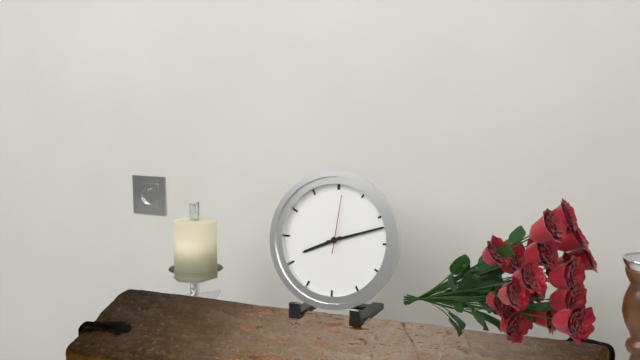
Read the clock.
8:12:01
